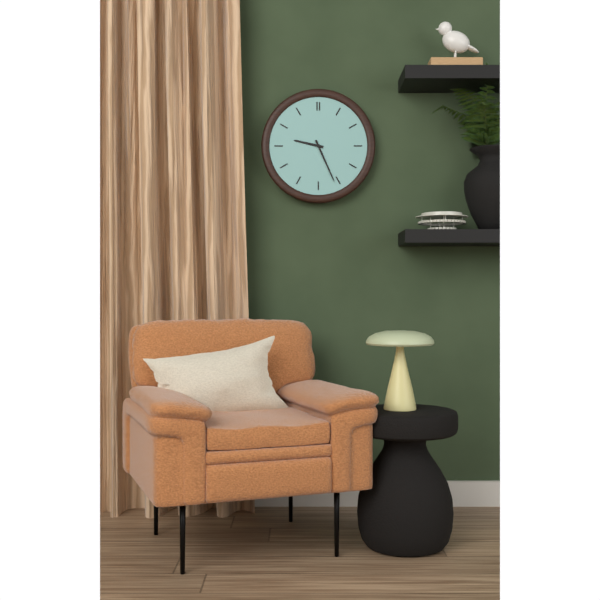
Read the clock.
9:26
